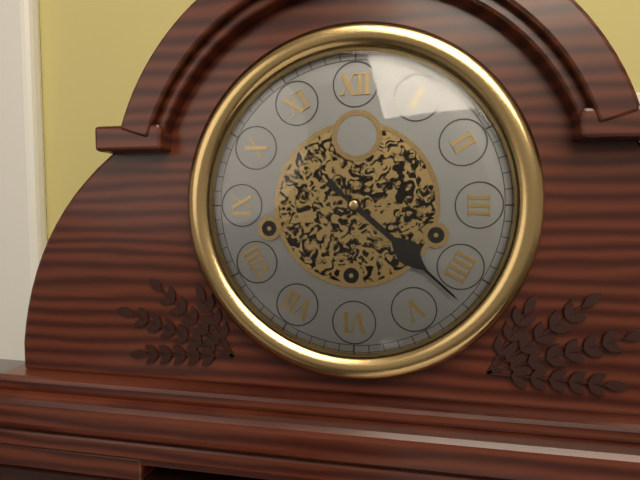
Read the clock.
4:22
